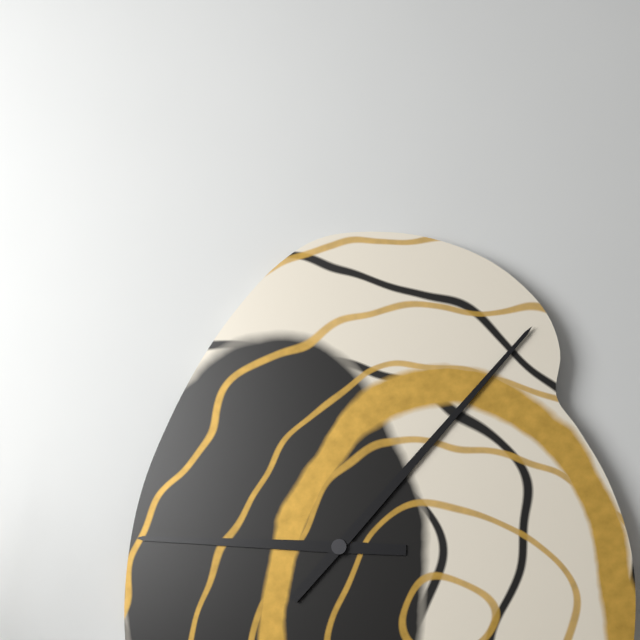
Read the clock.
9:07
